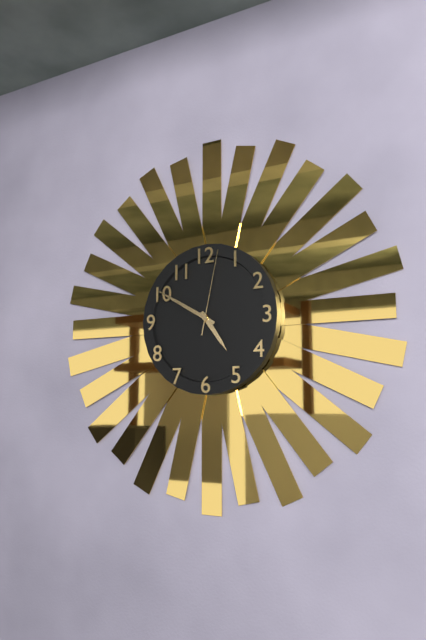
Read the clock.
4:50:02
